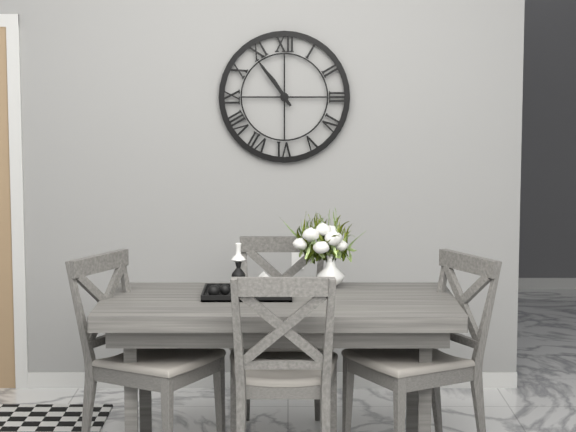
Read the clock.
10:54
